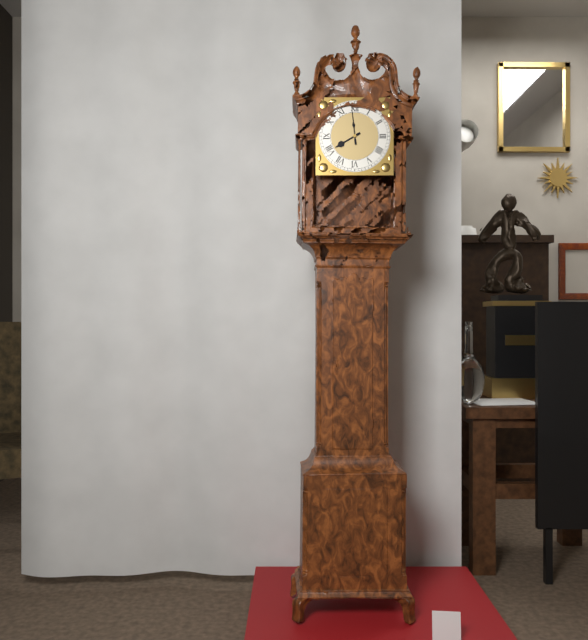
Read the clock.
7:59
